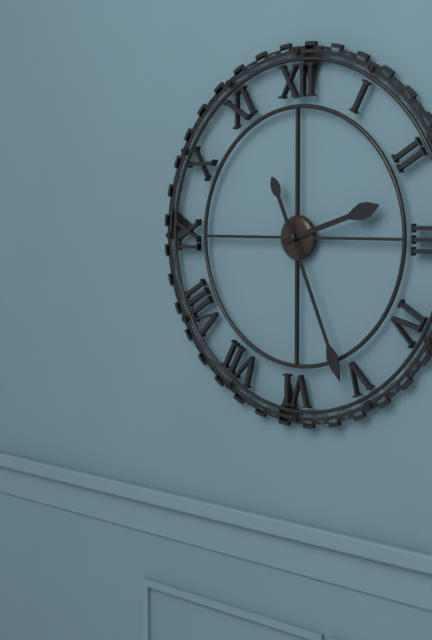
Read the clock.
2:26
